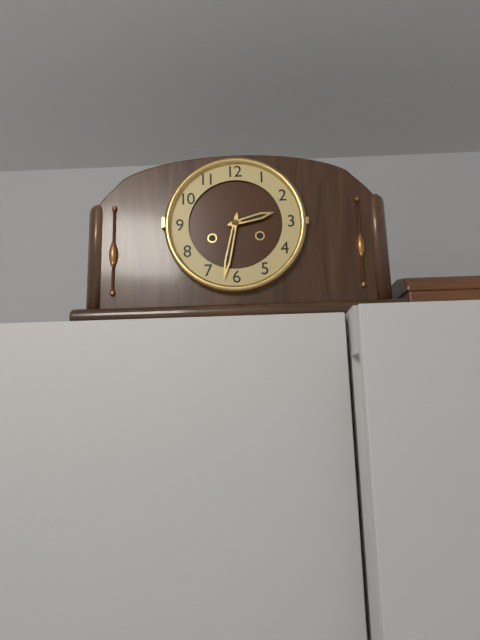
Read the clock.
2:32
